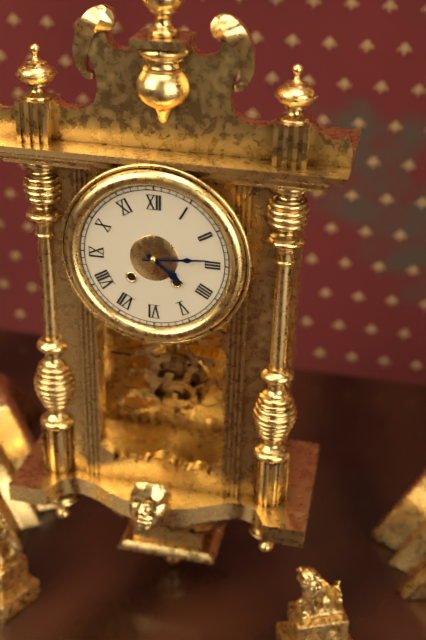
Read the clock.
4:14
